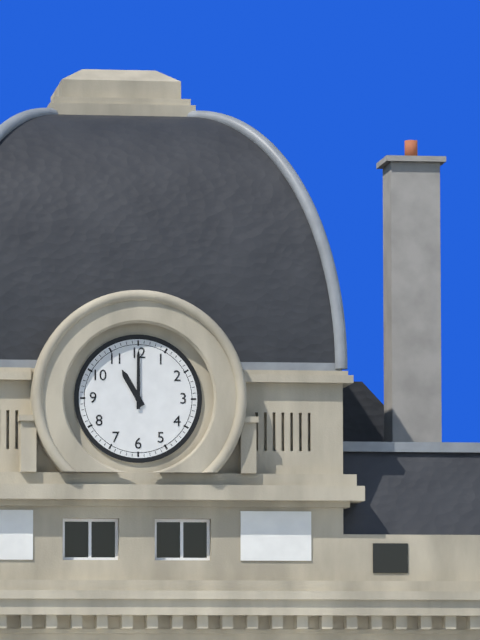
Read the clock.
11:00
